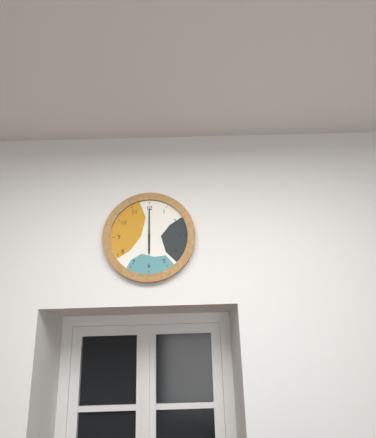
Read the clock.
6:00
